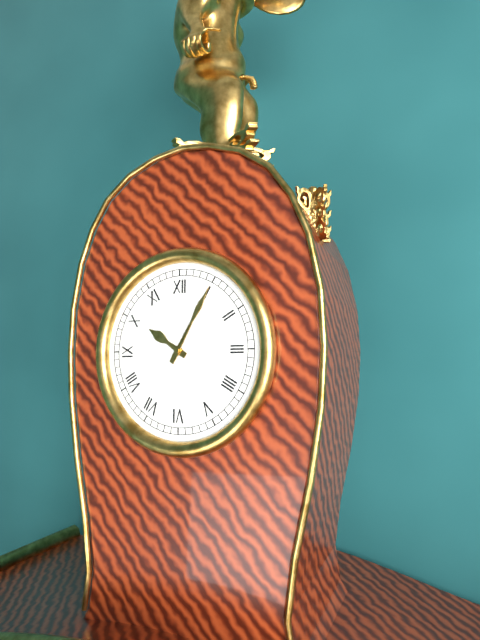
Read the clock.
10:05
